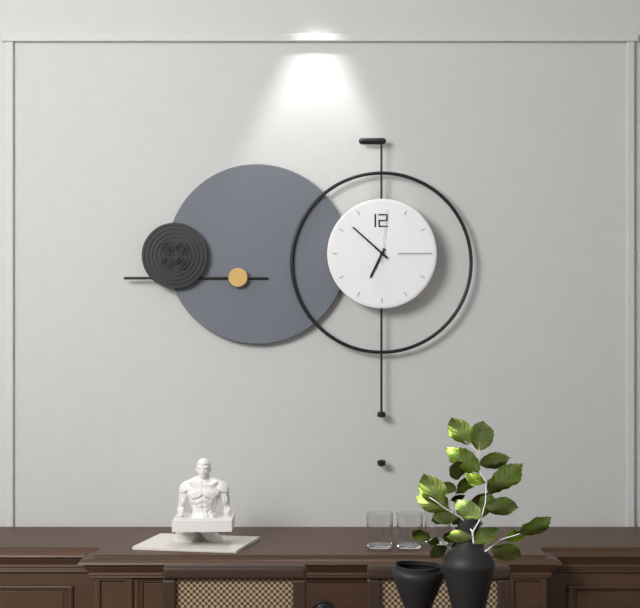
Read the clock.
6:52:01
